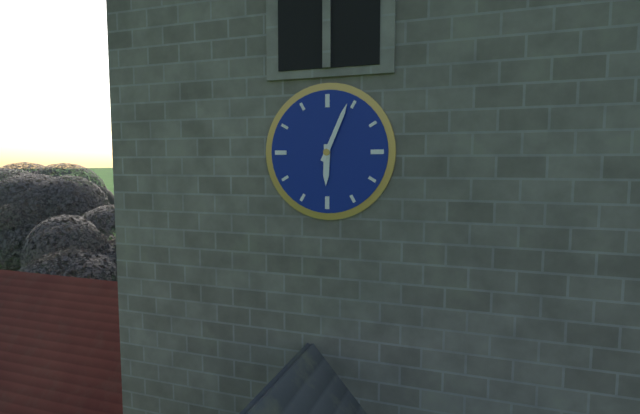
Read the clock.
6:04
